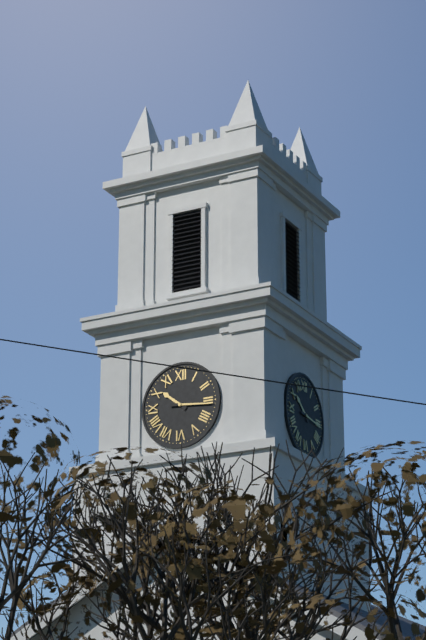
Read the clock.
10:16
